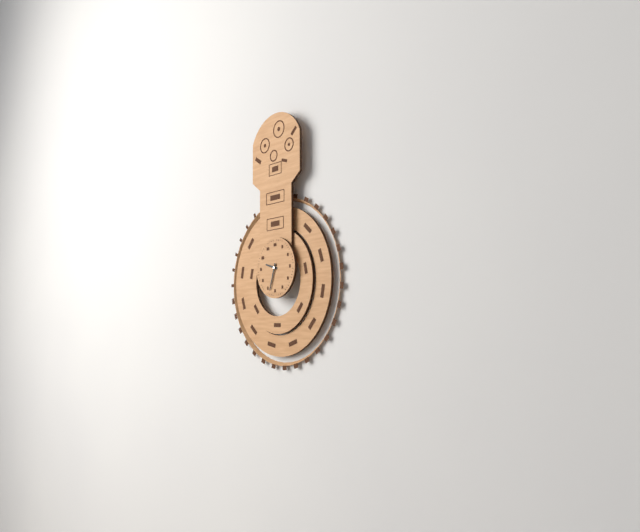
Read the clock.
9:33
